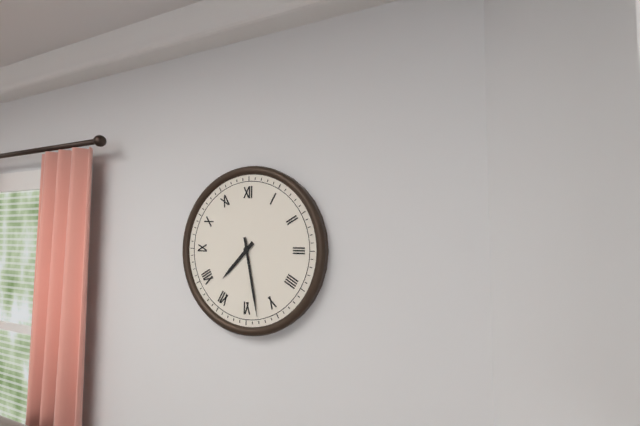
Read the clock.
7:28
